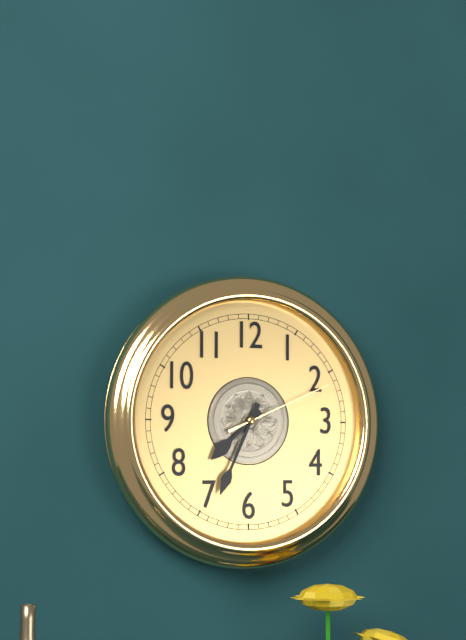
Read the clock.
7:34:11
